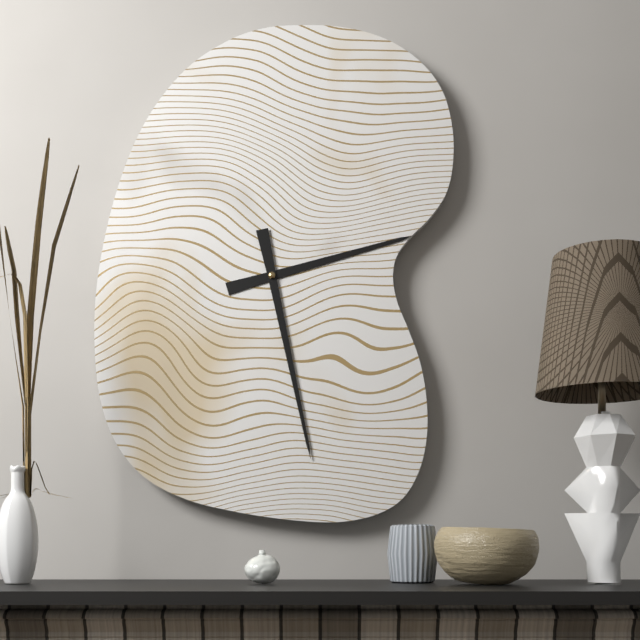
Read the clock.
2:28
